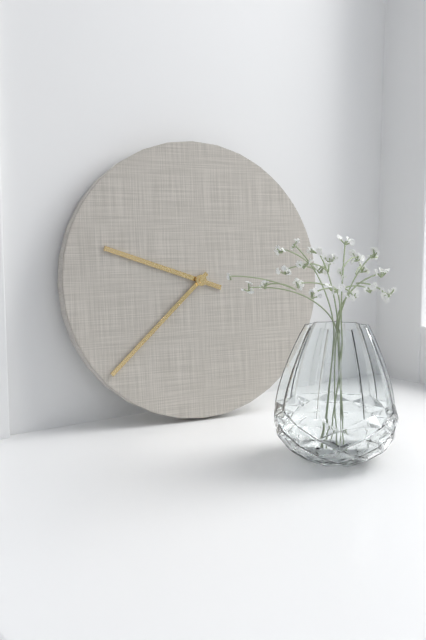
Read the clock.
9:38
